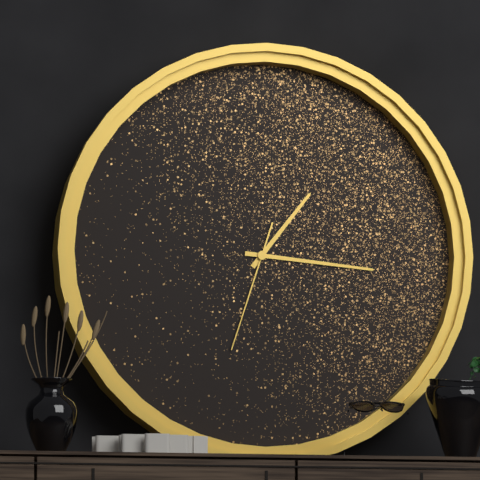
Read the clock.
1:16:33
